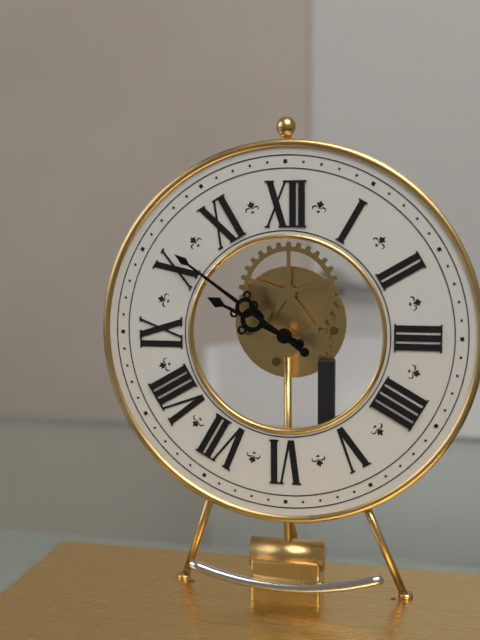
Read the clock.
9:51
